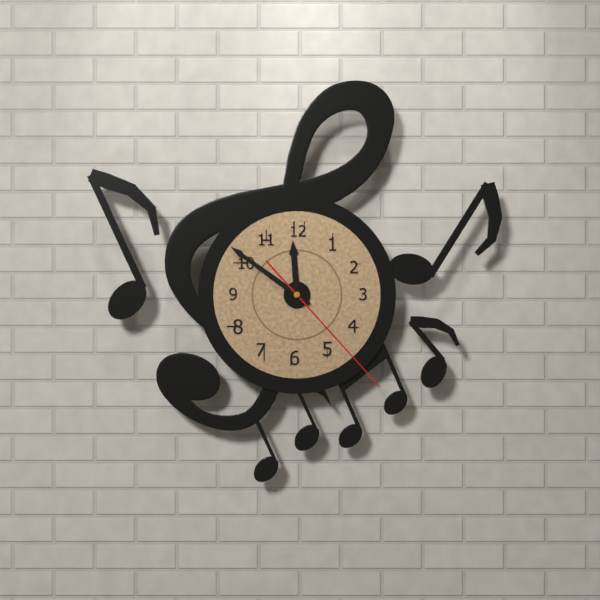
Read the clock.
11:51:23
